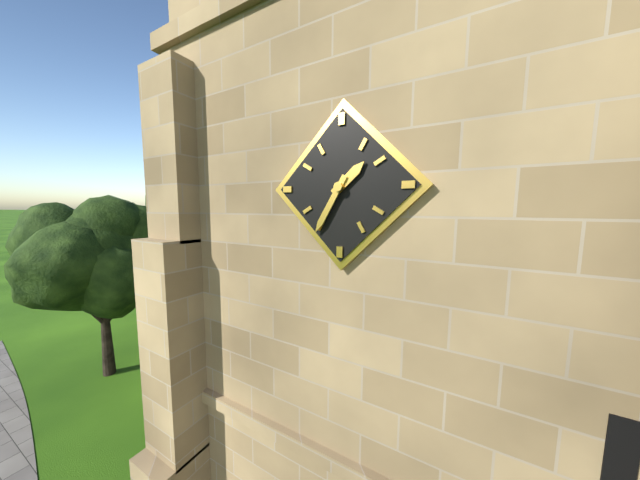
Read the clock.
1:35
